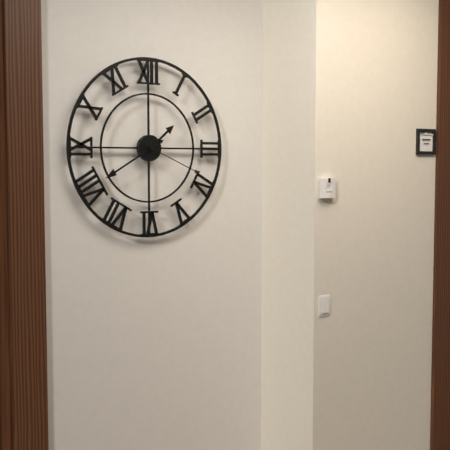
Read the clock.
1:40:19
